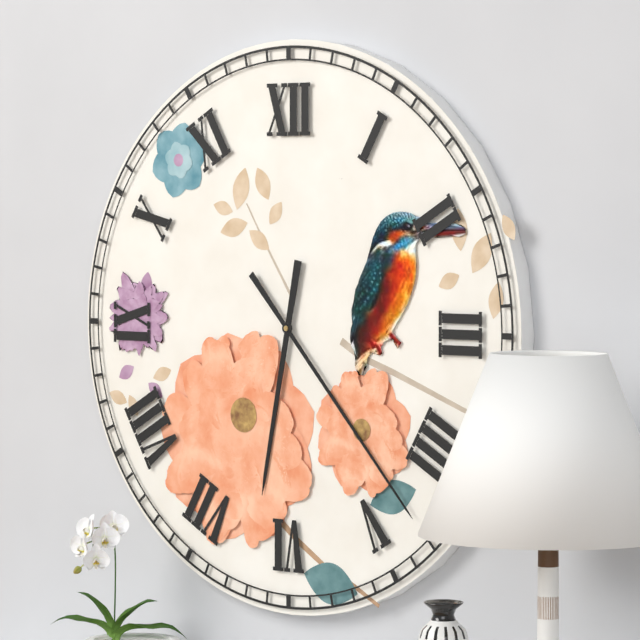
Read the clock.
6:23
